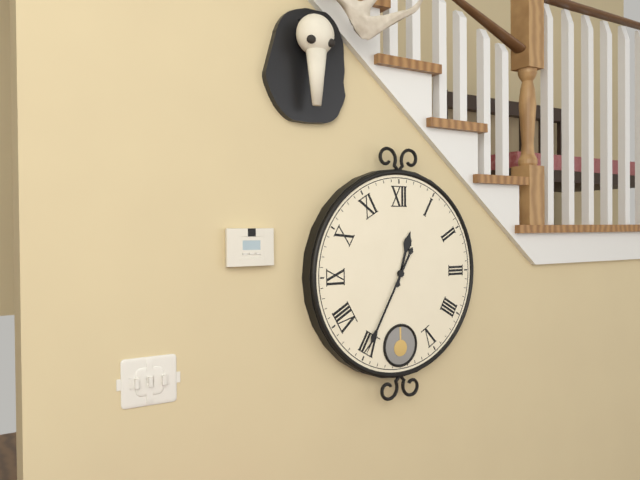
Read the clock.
12:35
